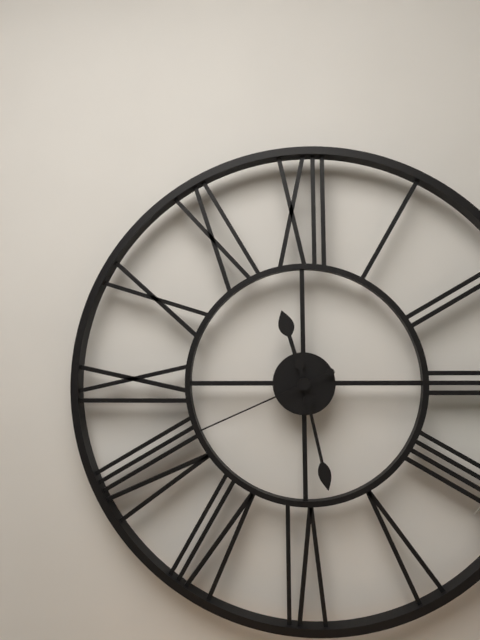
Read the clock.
11:28:41
